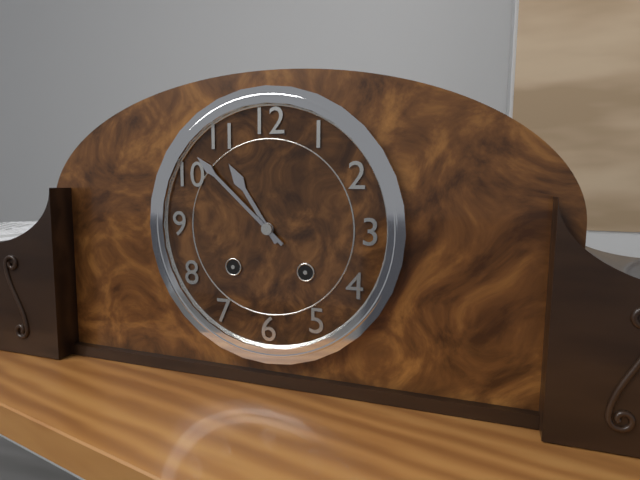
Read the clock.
10:52
